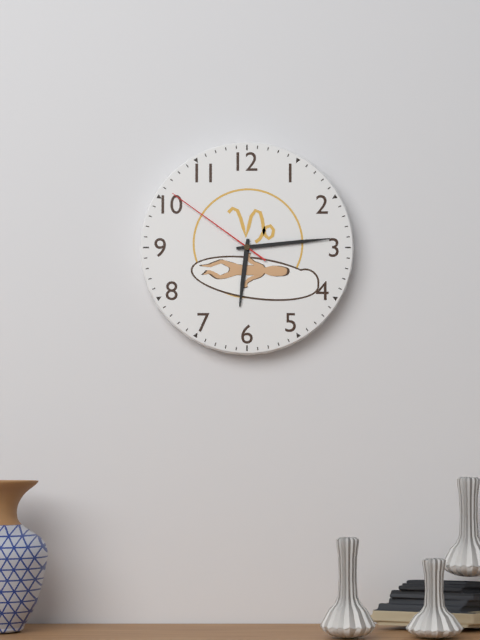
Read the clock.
6:14:51
